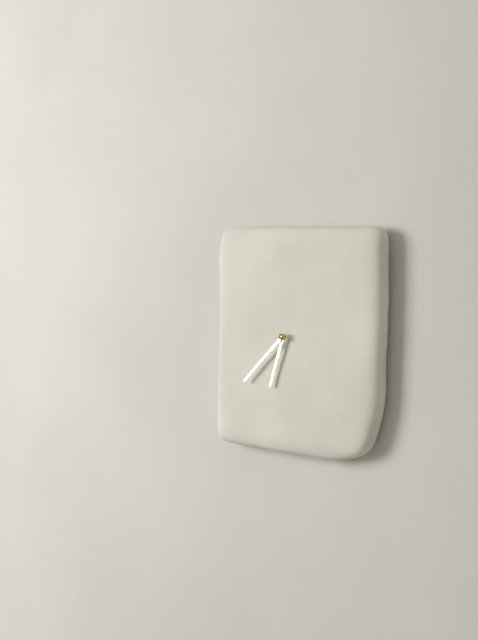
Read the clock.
6:38
